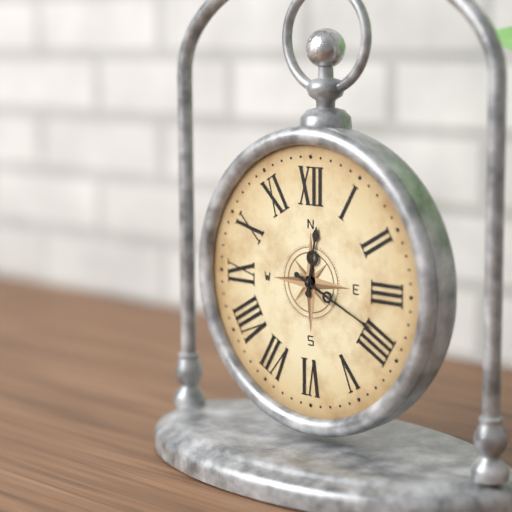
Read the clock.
12:19
